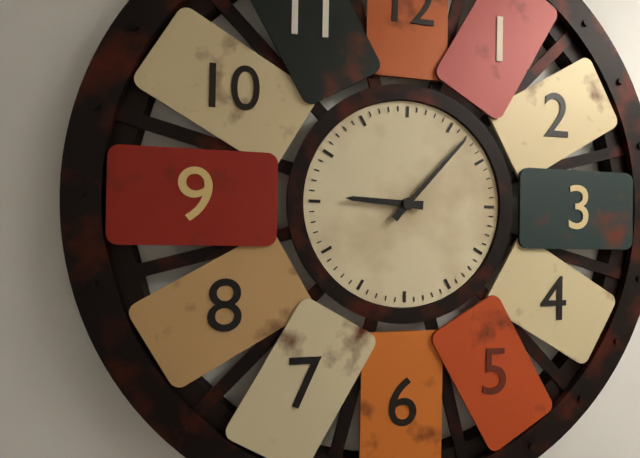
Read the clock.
9:07
